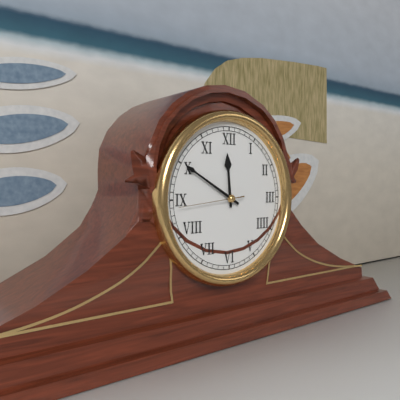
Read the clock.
11:50:44
